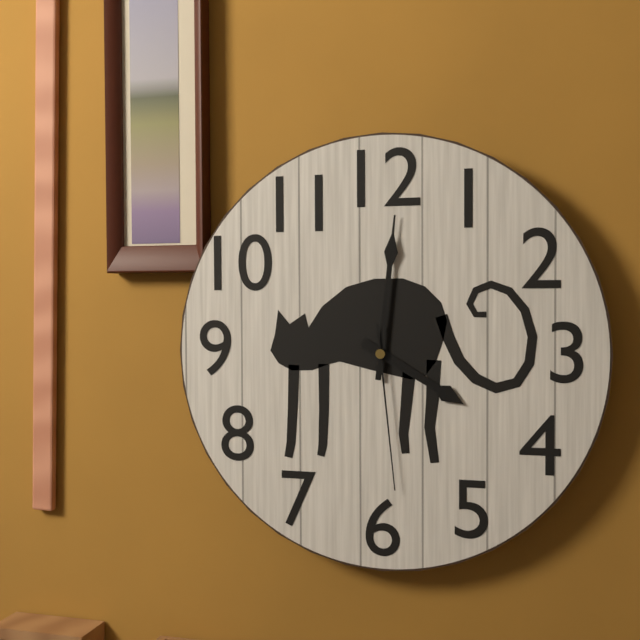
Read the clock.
4:01:29
